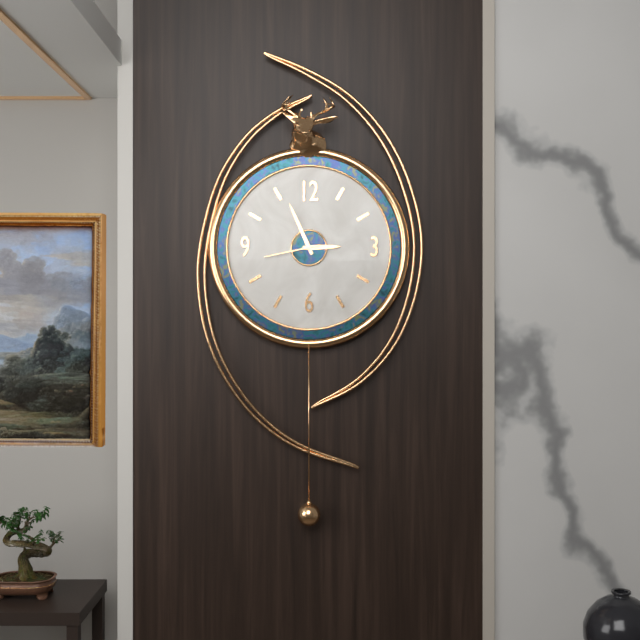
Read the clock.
2:56:43
